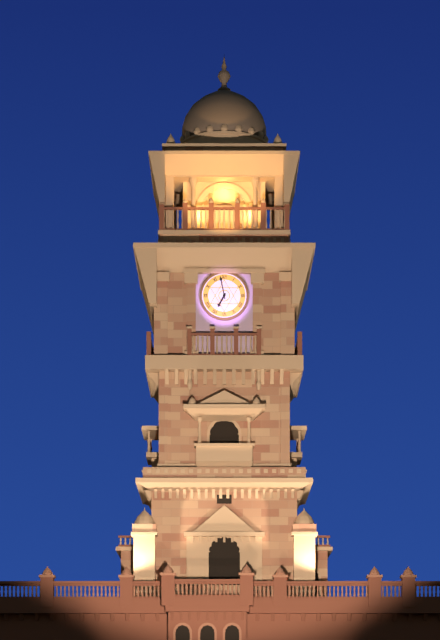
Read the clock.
6:58
